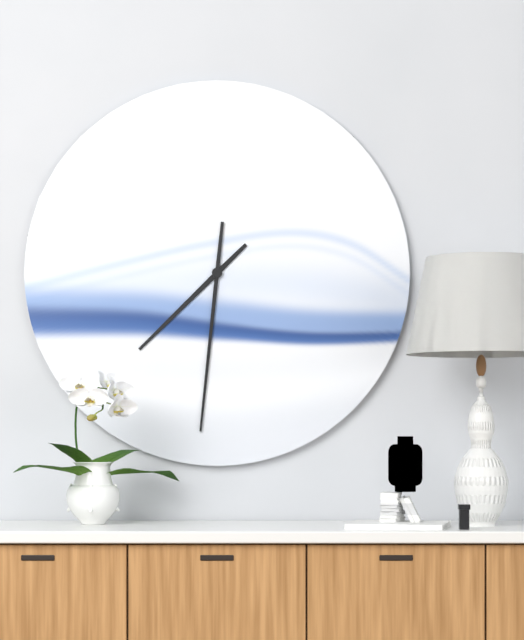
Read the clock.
7:31
